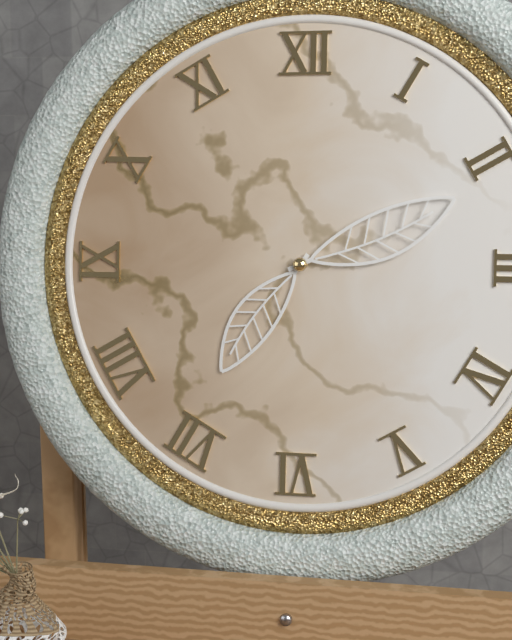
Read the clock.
7:11
